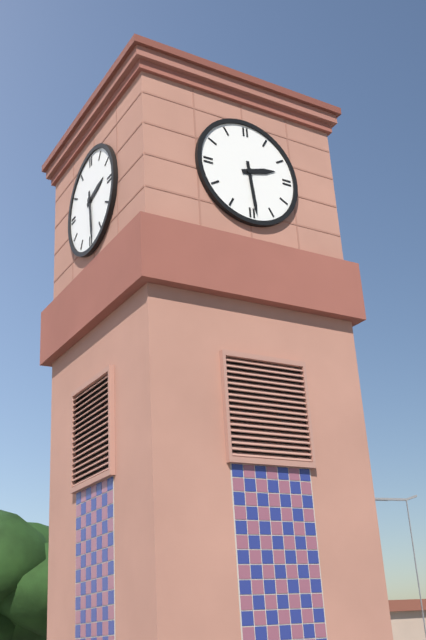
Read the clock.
2:29
